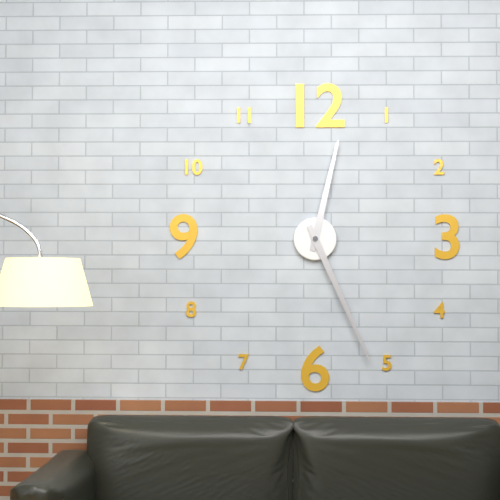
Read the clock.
12:26
